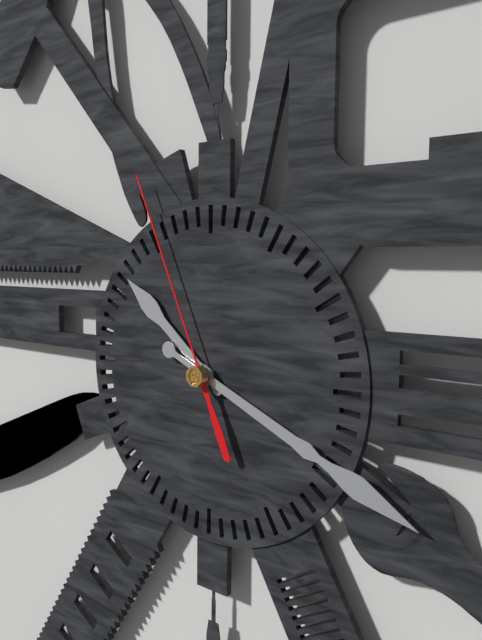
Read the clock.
10:19:56
